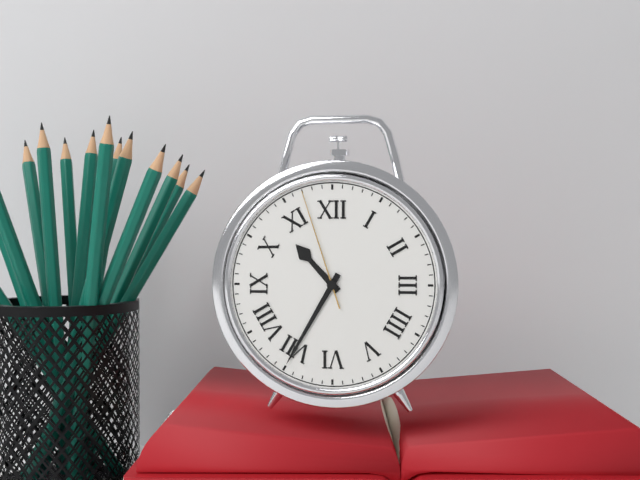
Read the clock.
10:35:57
